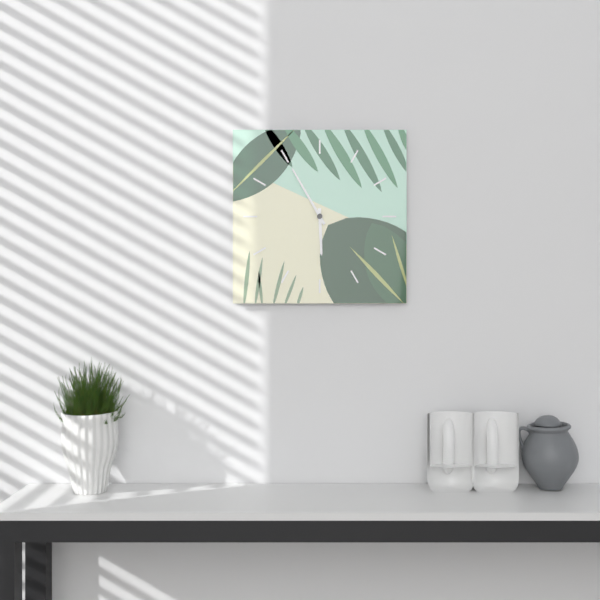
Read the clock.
5:55
